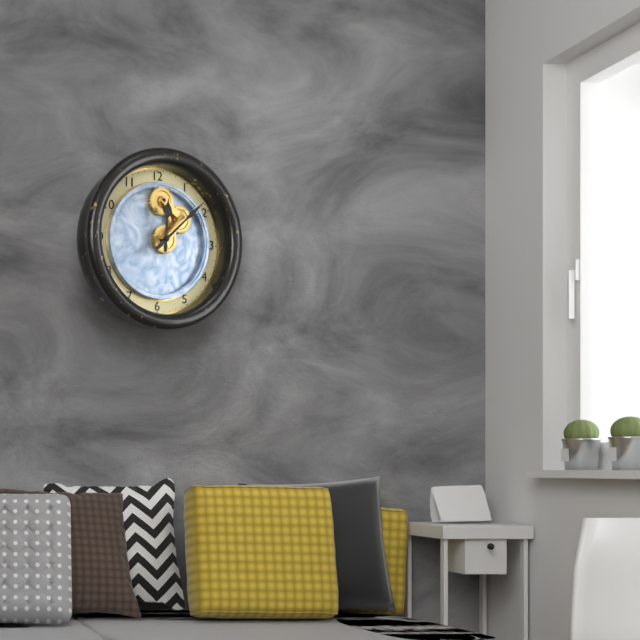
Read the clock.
12:08
